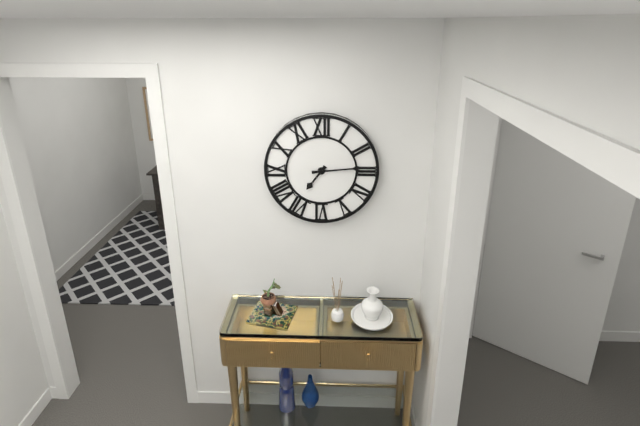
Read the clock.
7:14
